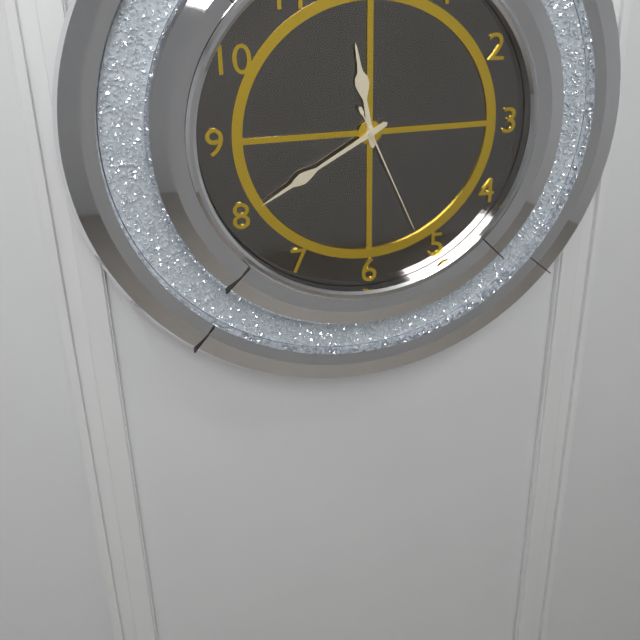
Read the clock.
11:40:26
